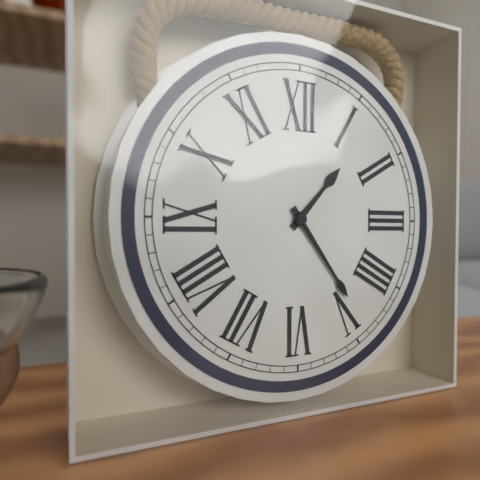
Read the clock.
1:24
